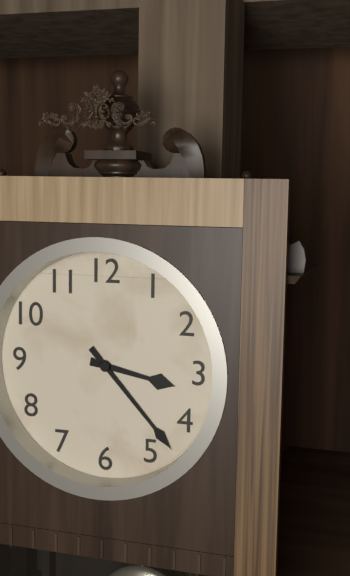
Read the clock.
3:23
